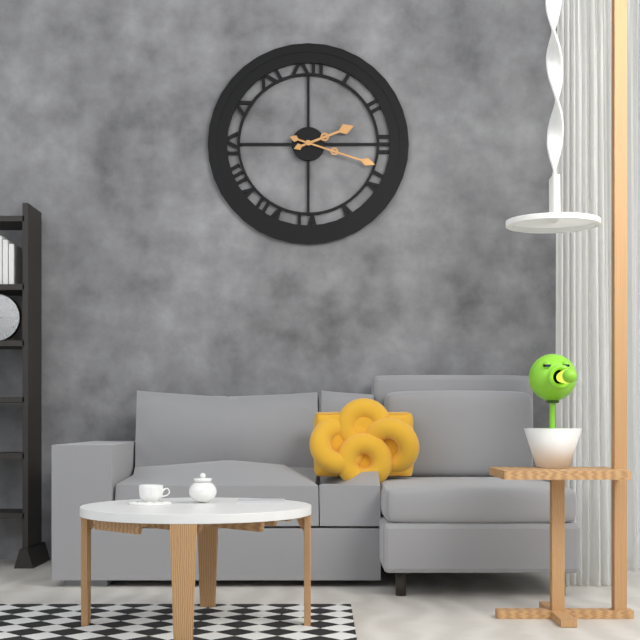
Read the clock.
2:18
